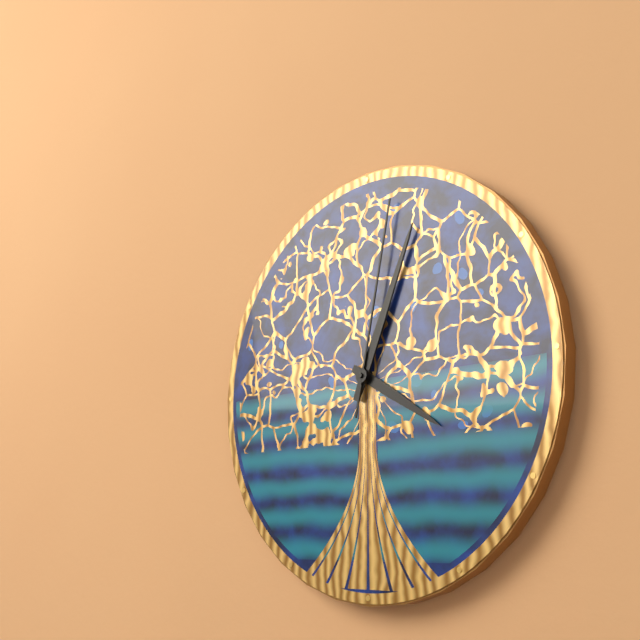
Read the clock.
4:04:02
